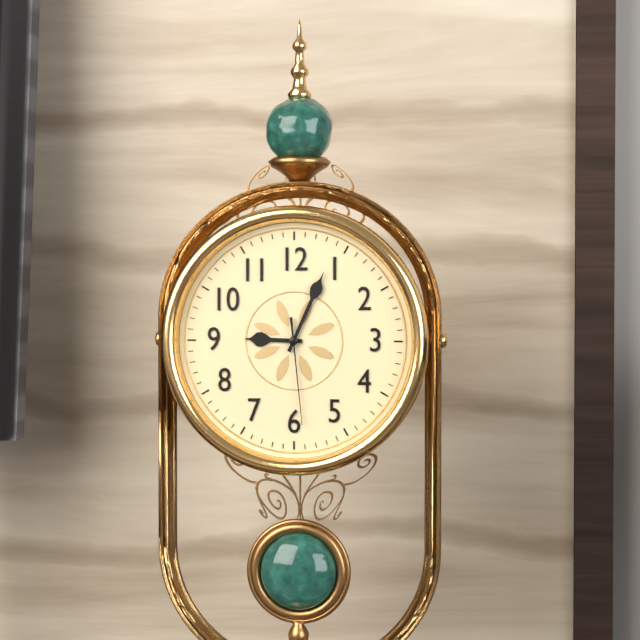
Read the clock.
9:04:29
